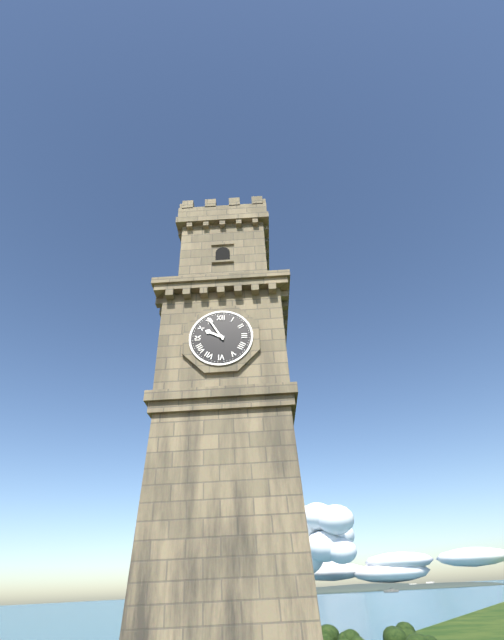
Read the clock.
9:55
